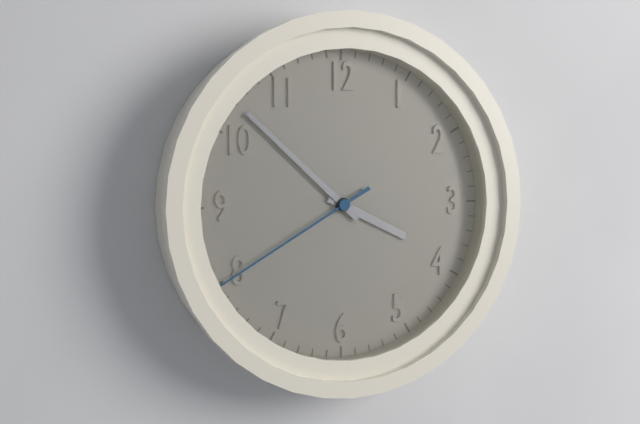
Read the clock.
3:52:40
